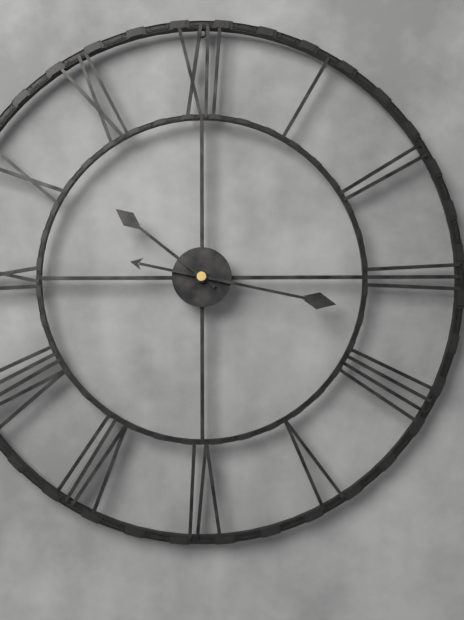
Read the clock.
10:17
